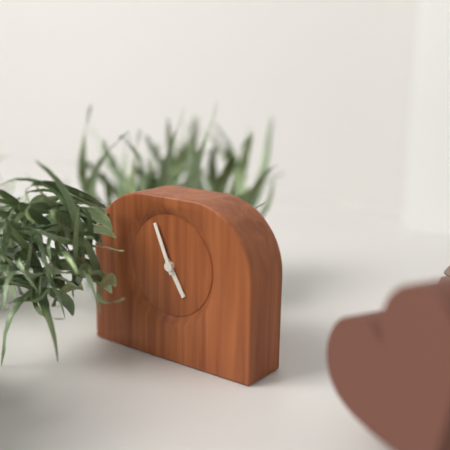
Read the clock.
4:56
